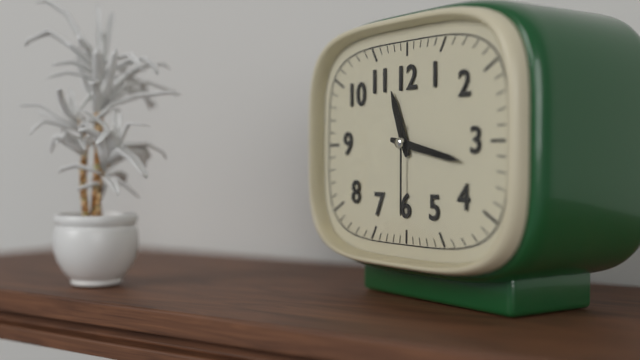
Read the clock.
11:17:30
